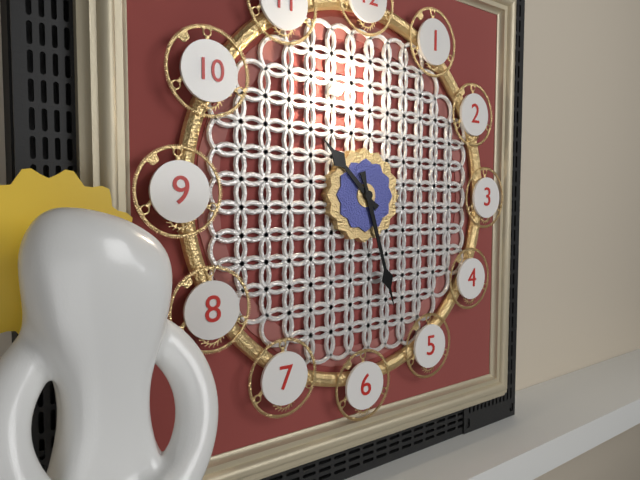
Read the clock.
10:27
